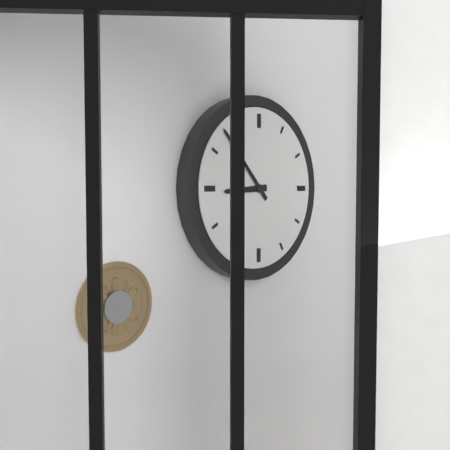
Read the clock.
8:53
